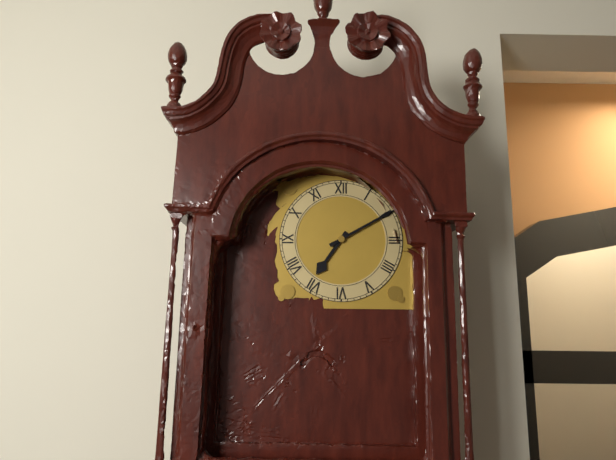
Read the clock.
7:10
